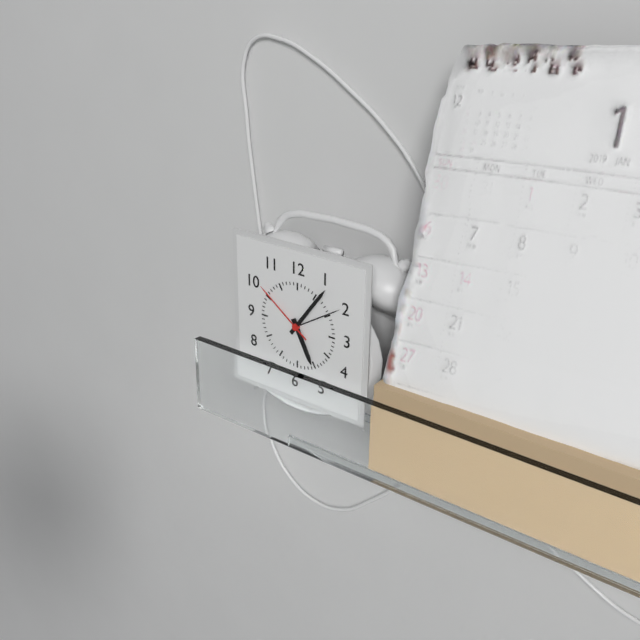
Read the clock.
5:06:51
